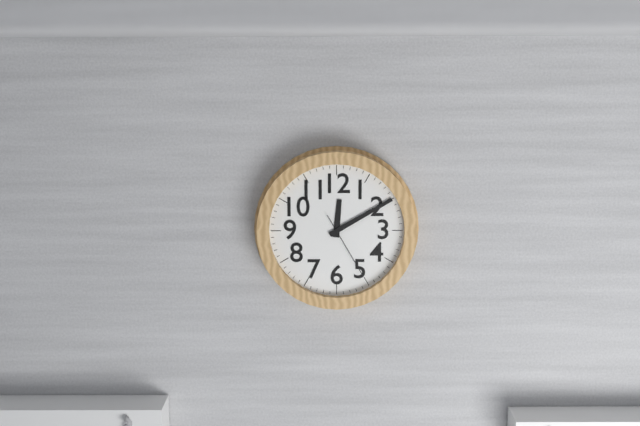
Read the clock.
12:10:25
